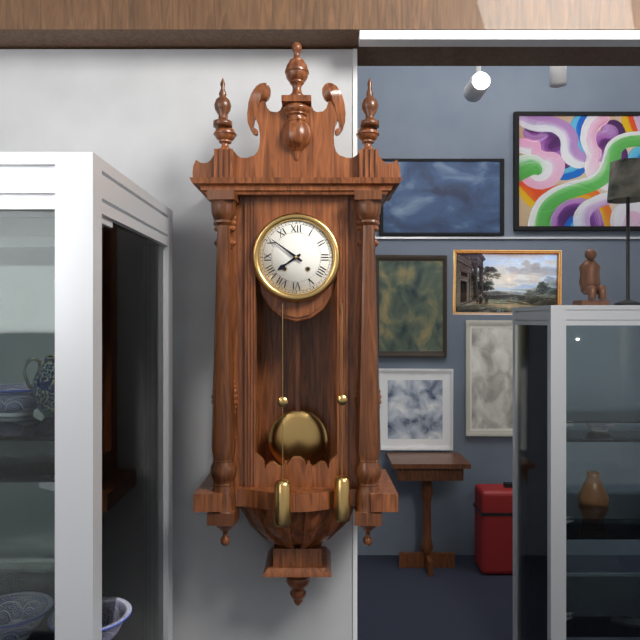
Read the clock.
7:51
